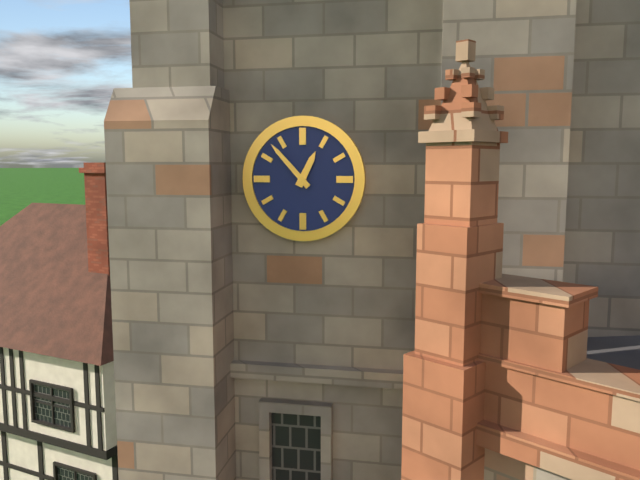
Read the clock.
12:53
